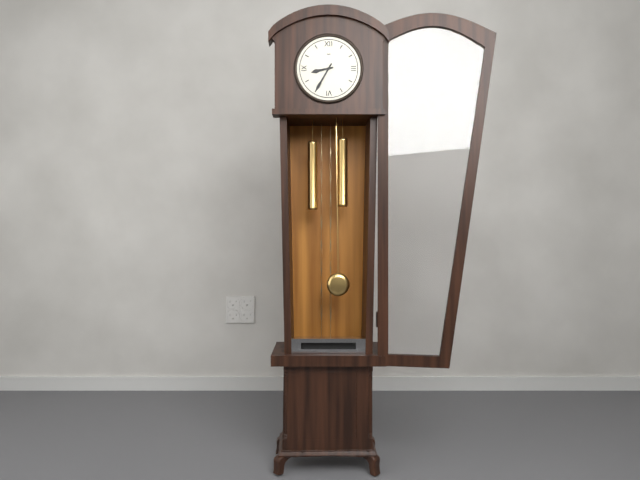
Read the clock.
8:35
